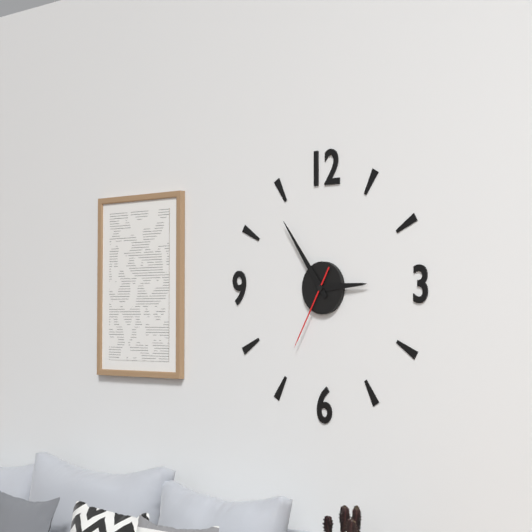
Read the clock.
2:54:35
